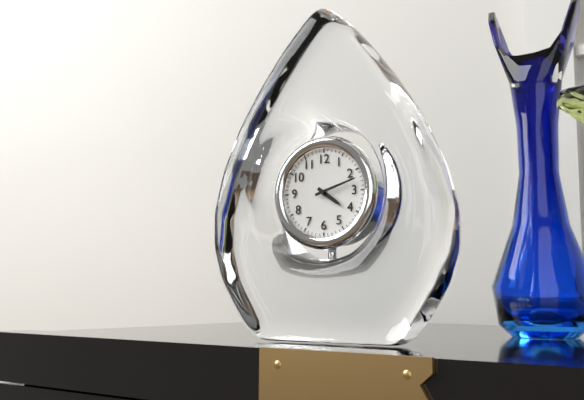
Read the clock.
4:12
